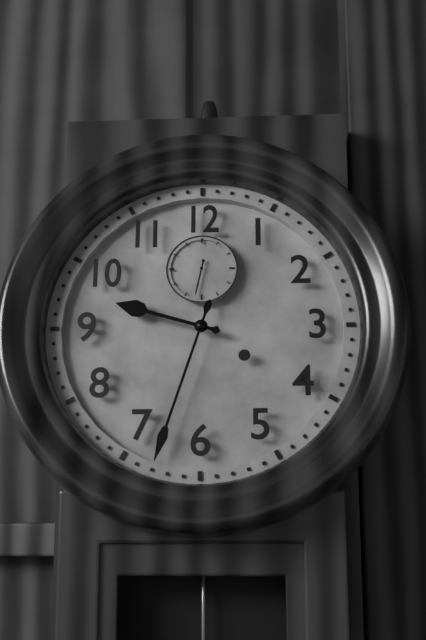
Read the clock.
9:33
